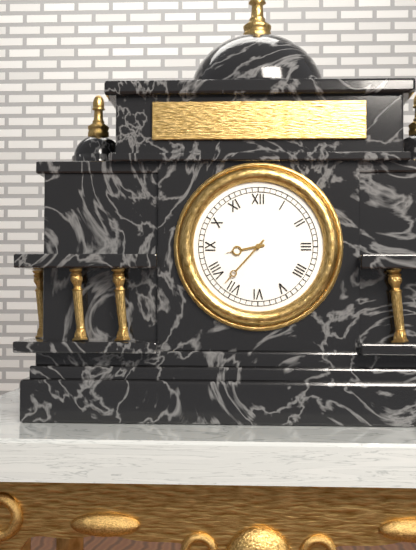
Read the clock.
8:37
